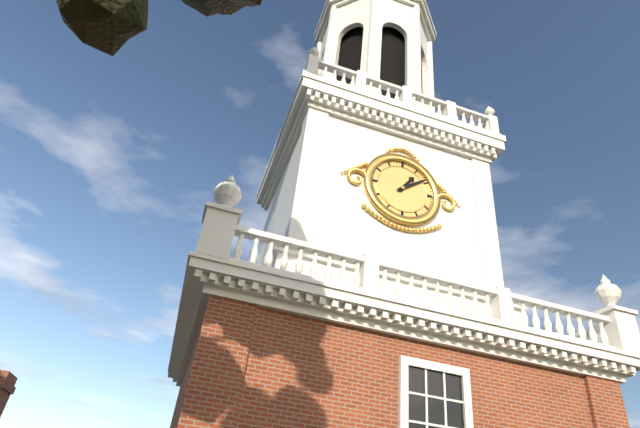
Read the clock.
1:09
